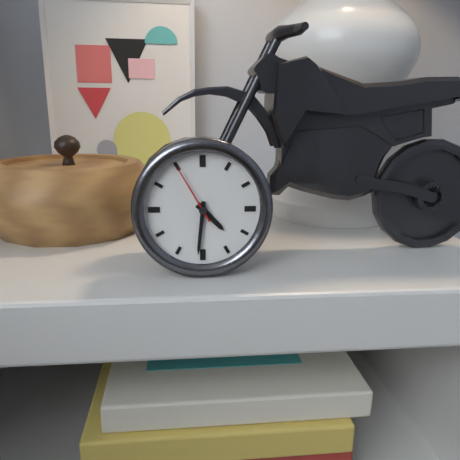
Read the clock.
4:31:55
